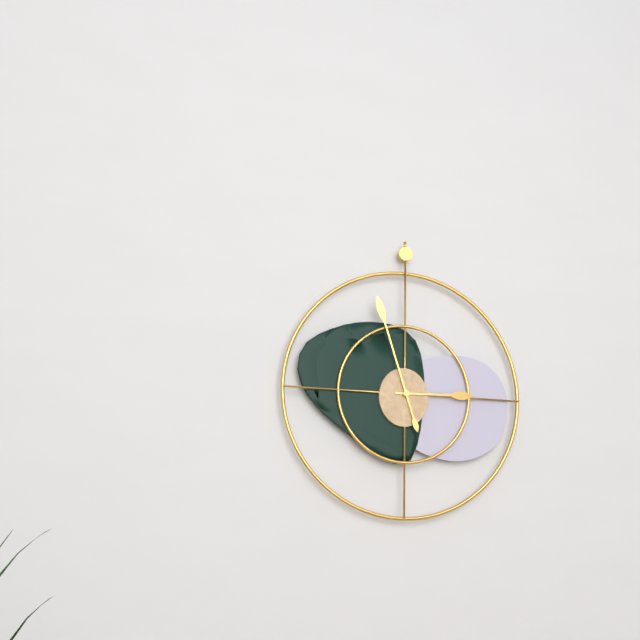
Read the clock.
2:57
